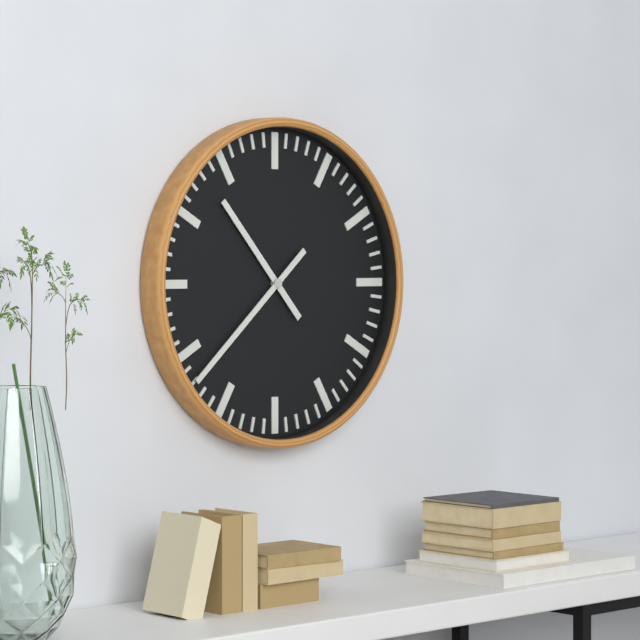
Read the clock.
10:38
